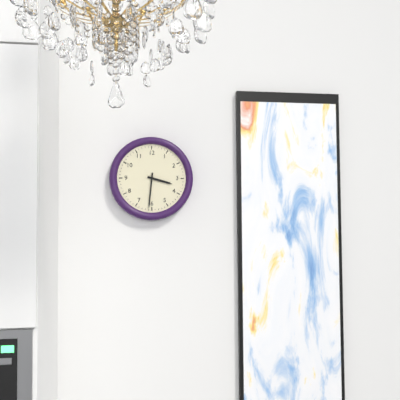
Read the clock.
3:31
